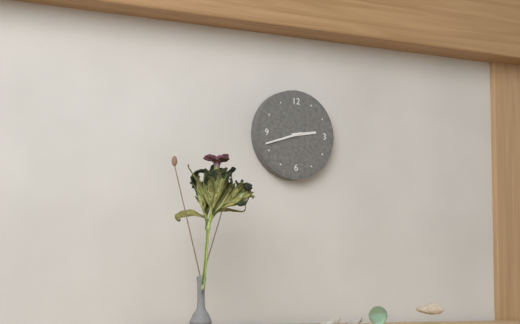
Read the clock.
2:42
